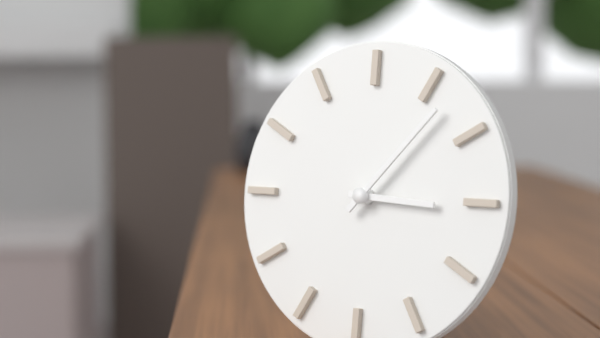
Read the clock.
3:07
